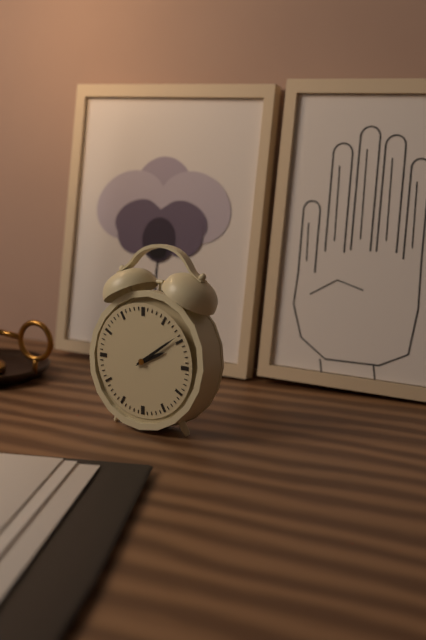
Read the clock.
2:09
